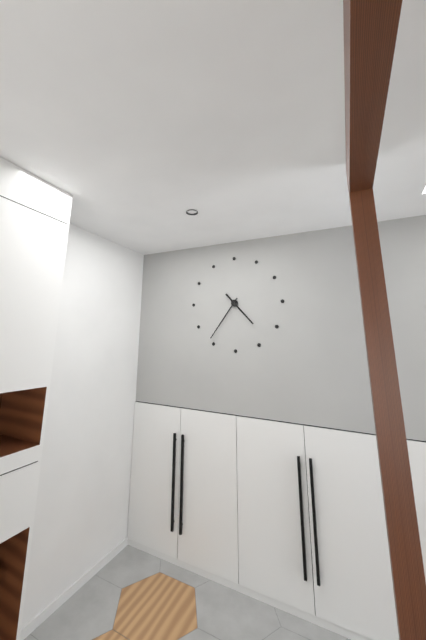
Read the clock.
4:36
